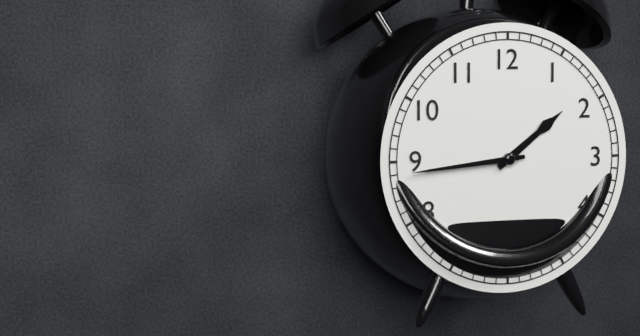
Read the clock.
1:44
